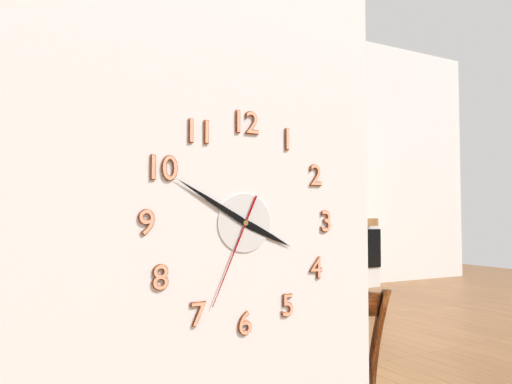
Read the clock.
3:50:34
